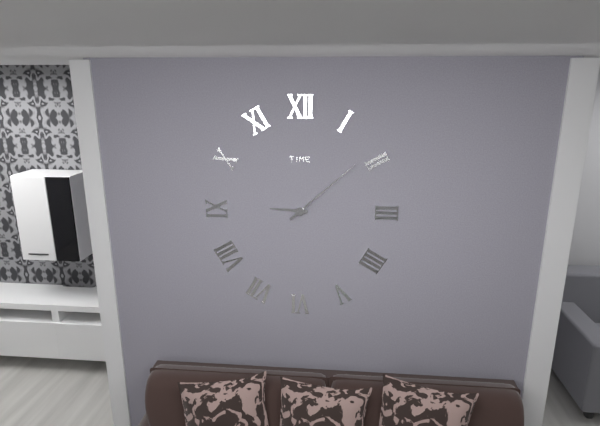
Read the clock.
9:08
